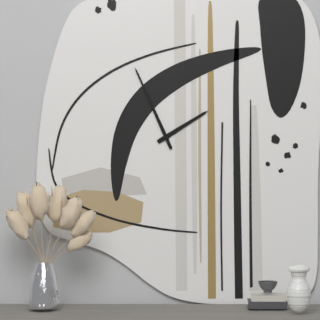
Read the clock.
1:56
